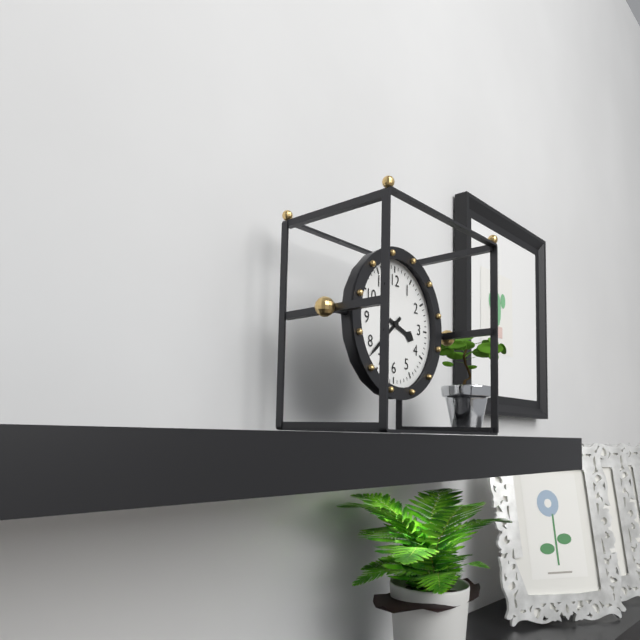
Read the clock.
3:38
